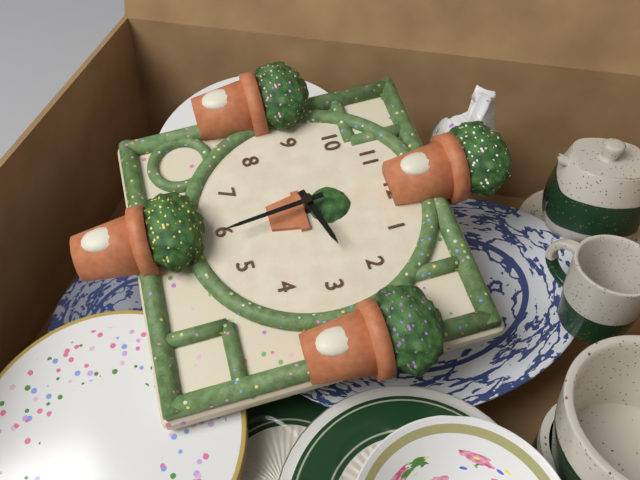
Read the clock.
2:29
